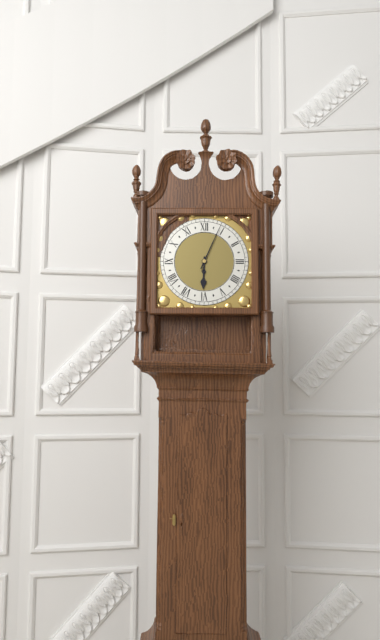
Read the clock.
6:04
